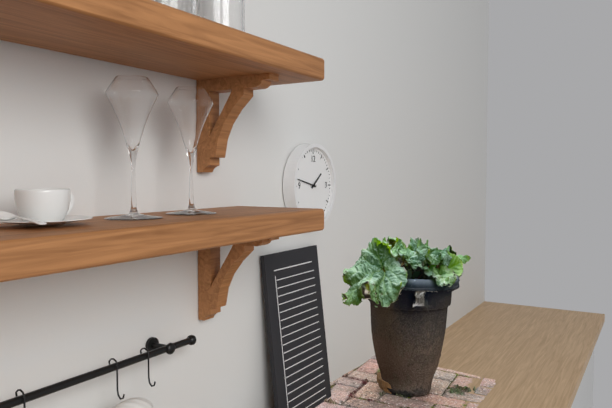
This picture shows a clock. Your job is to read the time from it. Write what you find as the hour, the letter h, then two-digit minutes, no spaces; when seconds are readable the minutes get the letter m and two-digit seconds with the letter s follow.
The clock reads 1h47
